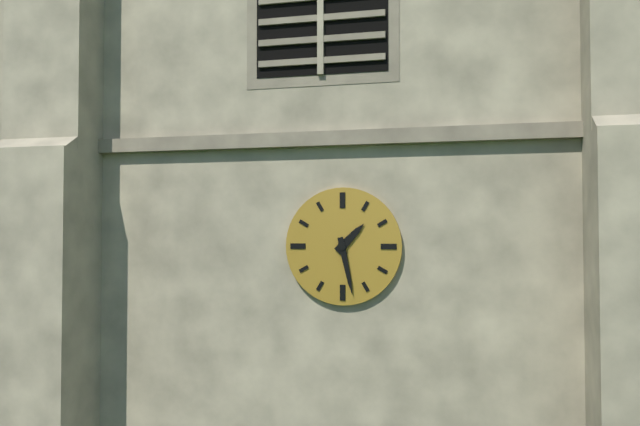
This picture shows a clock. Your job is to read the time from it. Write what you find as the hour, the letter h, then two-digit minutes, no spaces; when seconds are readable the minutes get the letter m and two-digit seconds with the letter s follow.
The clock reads 1h28
